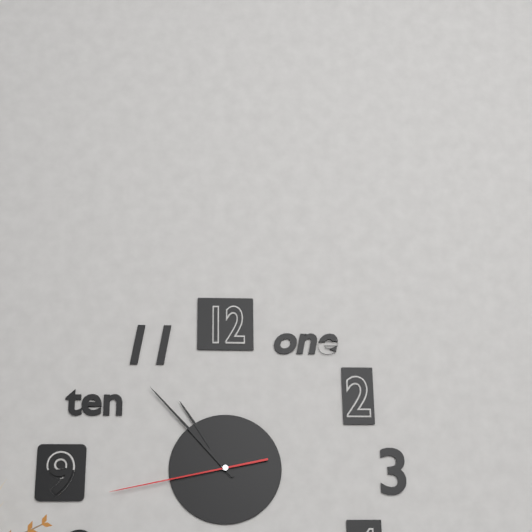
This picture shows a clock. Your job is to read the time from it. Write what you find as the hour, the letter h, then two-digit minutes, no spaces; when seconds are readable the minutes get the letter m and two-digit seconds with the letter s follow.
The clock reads 10h53m43s
